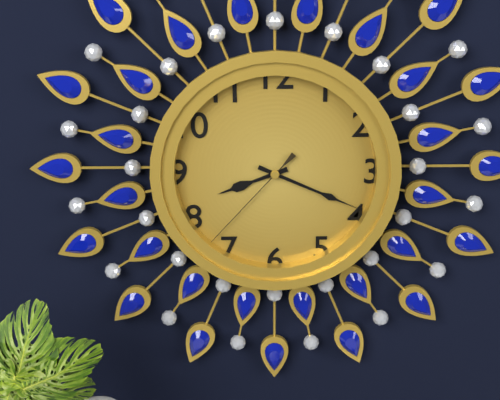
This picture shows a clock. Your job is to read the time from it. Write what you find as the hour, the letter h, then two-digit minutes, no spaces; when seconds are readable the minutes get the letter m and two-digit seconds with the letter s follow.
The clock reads 8h19m37s
